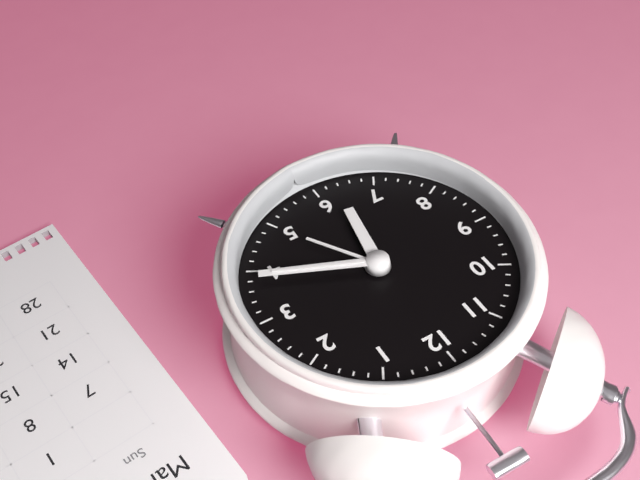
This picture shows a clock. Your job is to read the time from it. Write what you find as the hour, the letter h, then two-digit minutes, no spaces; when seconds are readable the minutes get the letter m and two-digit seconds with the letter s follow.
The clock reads 6h19m19s
